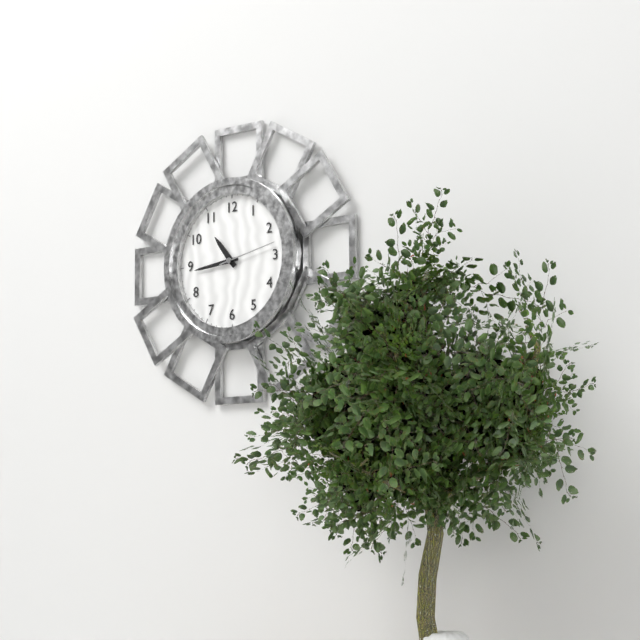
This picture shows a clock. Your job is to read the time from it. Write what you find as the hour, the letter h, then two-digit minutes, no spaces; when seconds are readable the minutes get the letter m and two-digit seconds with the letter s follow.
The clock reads 10h44m13s
